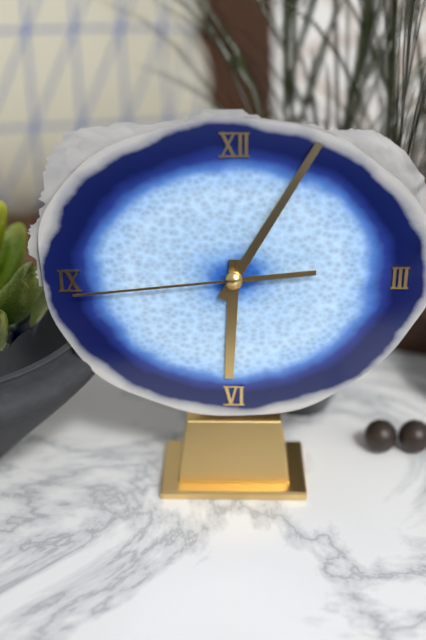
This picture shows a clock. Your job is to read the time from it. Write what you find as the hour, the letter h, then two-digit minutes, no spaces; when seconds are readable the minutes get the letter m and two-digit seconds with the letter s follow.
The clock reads 6h05m44s
